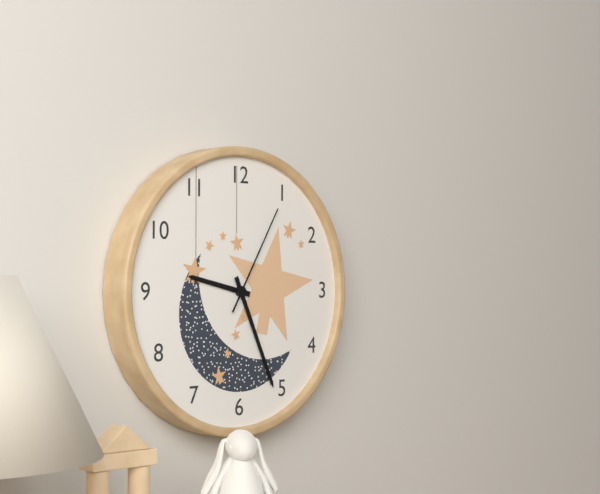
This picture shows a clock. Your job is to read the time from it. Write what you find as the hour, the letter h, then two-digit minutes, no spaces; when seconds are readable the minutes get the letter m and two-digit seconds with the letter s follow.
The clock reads 9h26m05s
